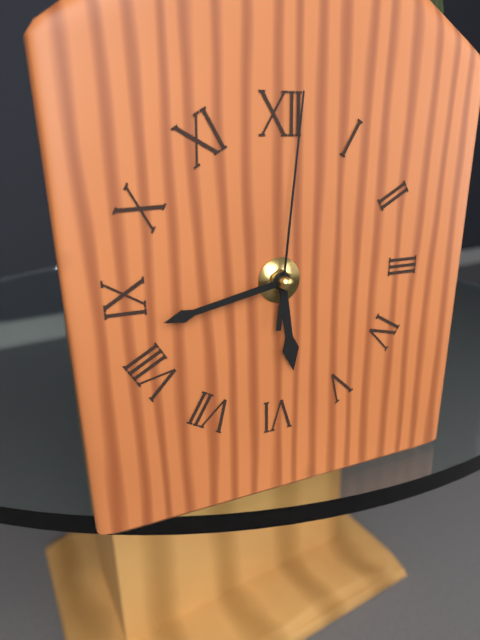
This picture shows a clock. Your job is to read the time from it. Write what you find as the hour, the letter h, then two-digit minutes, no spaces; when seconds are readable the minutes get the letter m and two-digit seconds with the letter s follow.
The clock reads 5h43m01s
